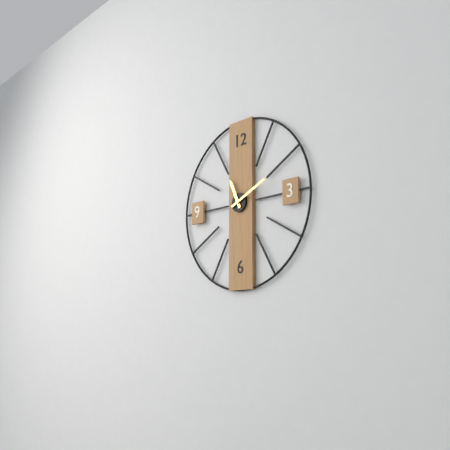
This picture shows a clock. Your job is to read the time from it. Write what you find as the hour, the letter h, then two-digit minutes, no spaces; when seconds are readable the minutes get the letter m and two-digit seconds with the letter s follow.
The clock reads 11h11
